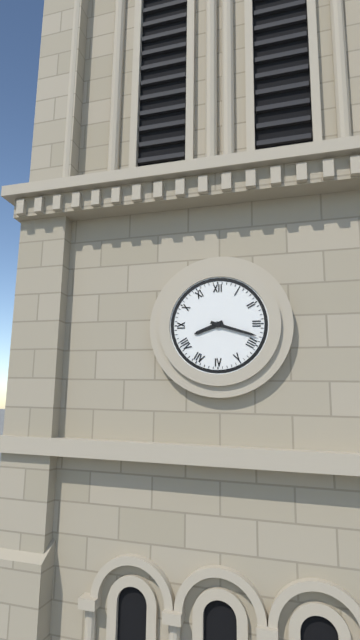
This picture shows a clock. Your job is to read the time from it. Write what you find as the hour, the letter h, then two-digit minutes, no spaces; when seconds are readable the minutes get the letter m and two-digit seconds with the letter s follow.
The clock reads 8h18
